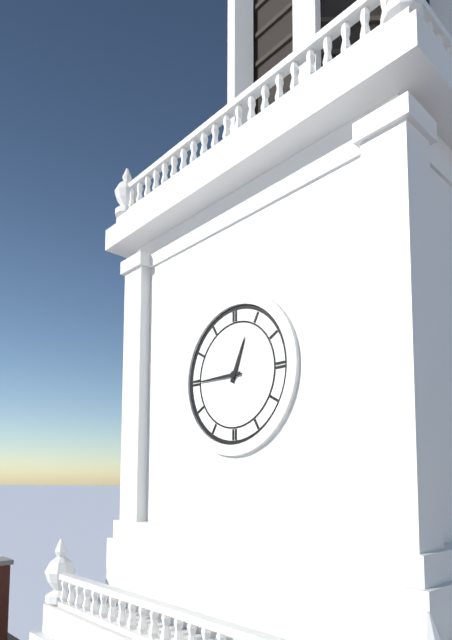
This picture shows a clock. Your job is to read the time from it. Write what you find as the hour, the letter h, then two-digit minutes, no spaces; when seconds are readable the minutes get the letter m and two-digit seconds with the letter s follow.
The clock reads 12h45
